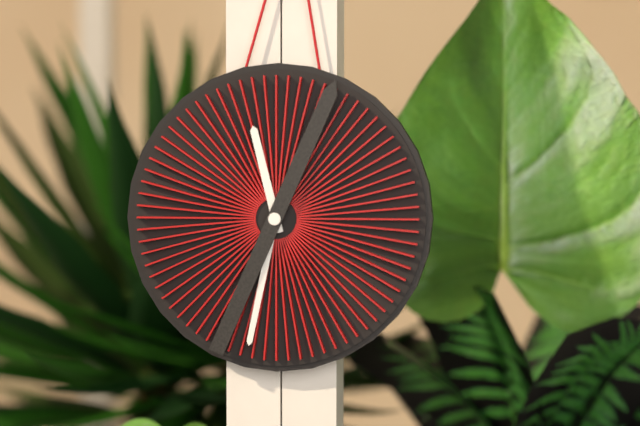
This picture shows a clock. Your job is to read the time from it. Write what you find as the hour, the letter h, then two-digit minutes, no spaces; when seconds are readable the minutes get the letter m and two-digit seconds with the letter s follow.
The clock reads 11h32m04s
